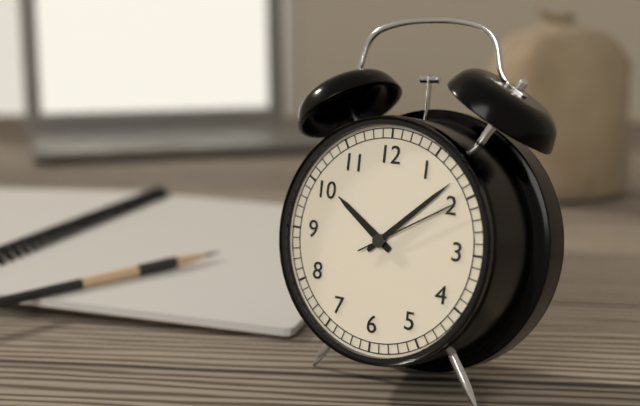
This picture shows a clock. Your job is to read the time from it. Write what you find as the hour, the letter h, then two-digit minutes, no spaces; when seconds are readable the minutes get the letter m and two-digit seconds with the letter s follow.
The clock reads 10h08m10s
